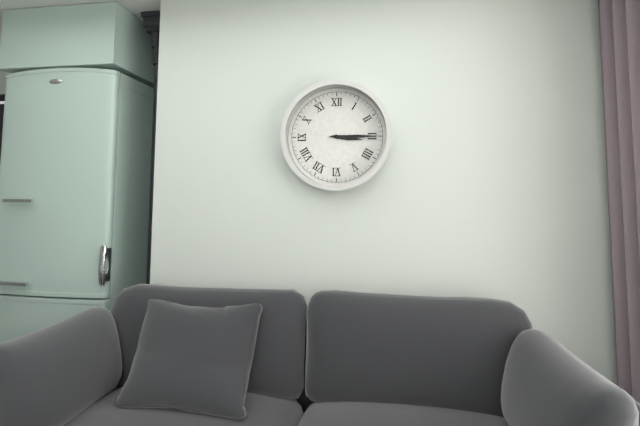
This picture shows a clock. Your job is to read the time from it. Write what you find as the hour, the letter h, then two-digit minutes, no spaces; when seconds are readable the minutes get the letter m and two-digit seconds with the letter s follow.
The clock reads 3h15
